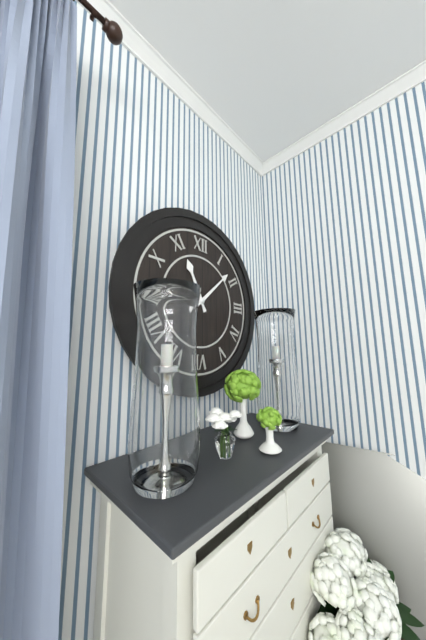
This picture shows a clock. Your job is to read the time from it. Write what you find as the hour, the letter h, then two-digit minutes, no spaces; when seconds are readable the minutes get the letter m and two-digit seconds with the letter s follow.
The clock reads 11h08
